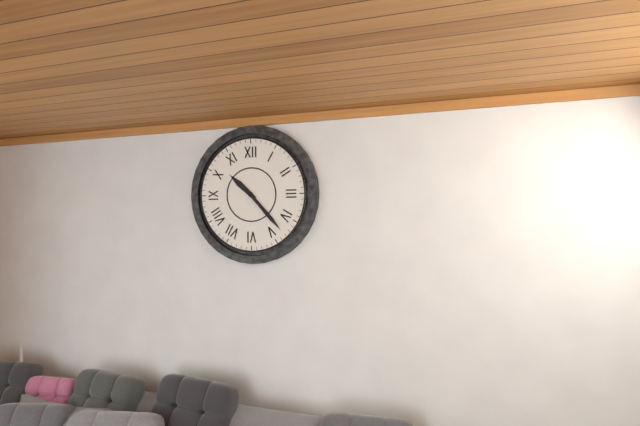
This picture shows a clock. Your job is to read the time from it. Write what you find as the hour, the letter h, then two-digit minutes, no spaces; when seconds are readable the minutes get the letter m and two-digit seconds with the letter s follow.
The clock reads 10h23
